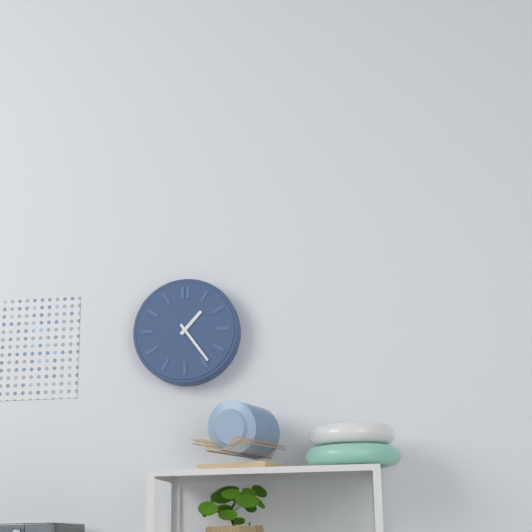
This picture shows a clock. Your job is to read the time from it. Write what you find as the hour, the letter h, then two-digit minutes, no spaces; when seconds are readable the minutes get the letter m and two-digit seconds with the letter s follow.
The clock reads 1h24
